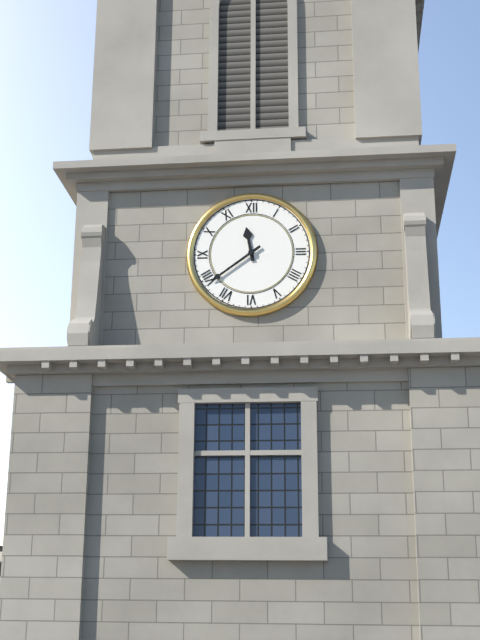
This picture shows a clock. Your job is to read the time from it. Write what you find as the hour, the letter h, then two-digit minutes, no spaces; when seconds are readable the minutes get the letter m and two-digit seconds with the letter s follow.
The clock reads 11h39
